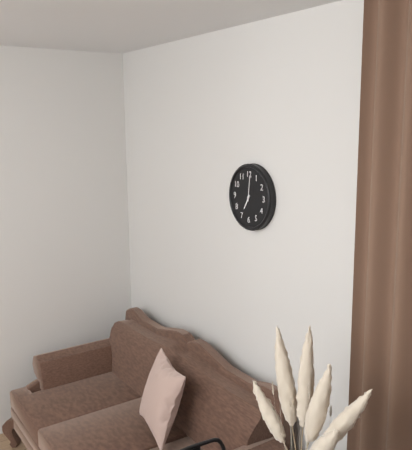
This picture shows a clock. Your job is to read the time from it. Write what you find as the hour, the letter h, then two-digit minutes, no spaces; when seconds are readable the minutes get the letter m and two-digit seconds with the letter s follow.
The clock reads 7h01
